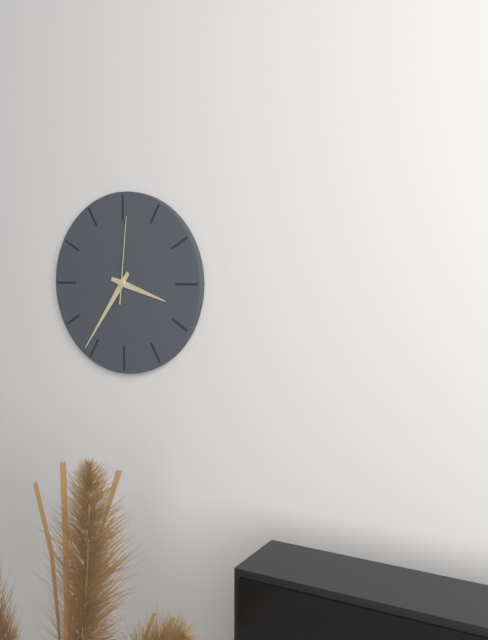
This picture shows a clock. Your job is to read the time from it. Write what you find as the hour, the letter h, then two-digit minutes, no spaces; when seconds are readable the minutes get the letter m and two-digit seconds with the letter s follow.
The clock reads 3h36m01s
